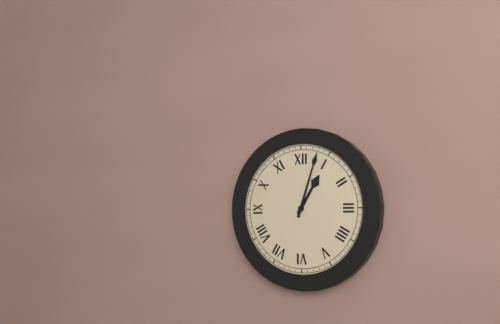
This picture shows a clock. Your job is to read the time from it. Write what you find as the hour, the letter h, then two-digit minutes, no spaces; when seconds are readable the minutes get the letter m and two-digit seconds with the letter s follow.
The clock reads 1h03
